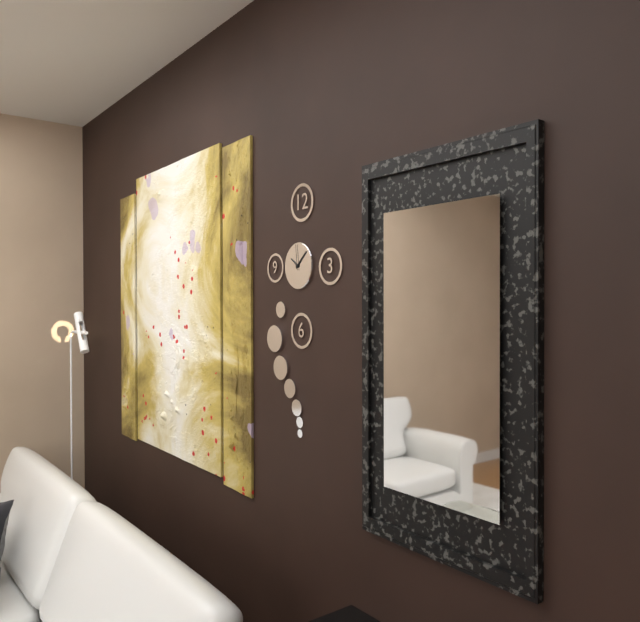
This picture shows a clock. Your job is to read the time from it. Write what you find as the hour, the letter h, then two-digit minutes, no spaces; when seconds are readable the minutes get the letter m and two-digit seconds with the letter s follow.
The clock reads 10h08
